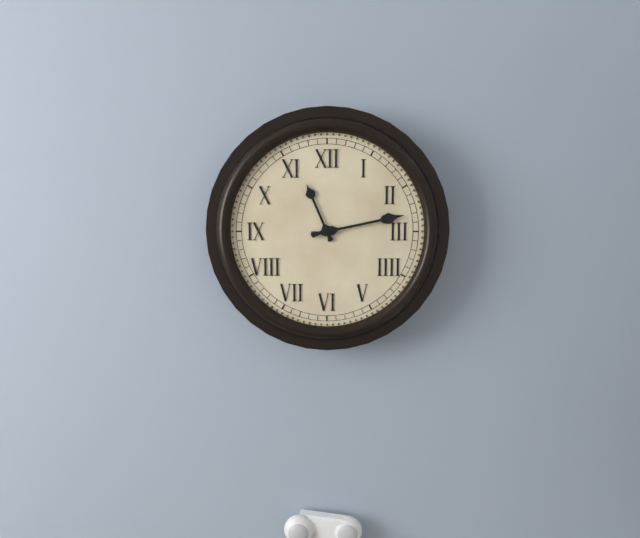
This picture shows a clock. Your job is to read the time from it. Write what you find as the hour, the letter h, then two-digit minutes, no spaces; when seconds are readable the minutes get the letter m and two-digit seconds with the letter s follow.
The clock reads 11h13
